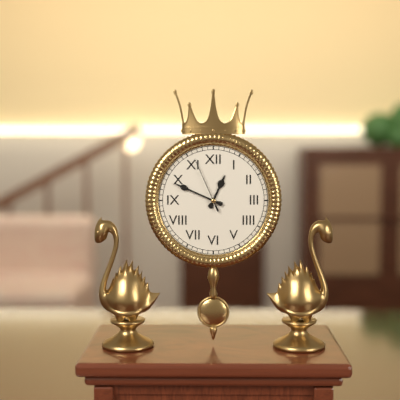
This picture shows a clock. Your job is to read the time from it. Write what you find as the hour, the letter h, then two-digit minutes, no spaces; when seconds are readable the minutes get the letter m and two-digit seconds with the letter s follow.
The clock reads 12h49m56s
